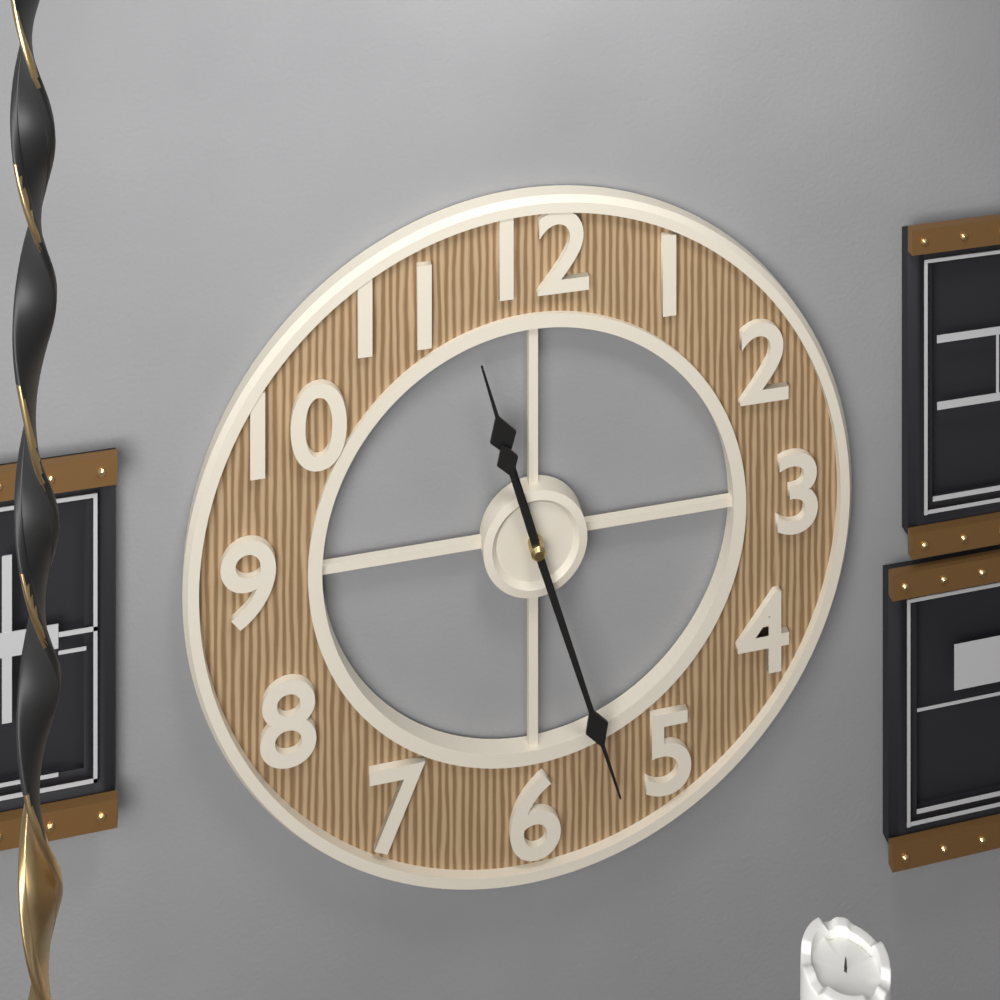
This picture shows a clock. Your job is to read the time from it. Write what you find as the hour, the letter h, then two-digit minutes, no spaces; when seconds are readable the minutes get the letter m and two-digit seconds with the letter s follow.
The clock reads 11h27
